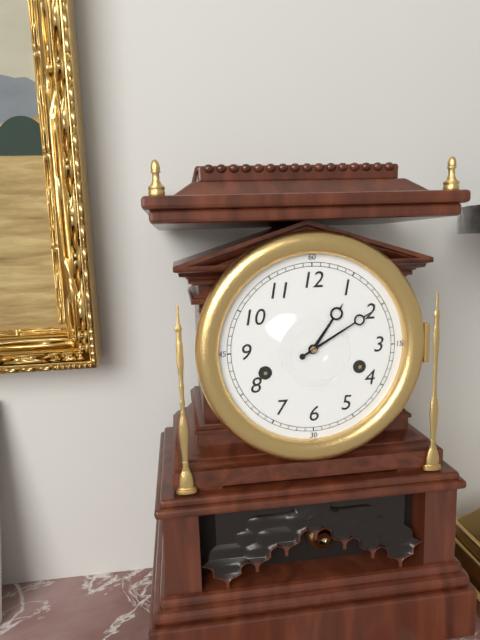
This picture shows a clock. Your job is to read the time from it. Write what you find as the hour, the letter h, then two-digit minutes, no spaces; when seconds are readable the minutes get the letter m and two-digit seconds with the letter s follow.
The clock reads 1h10
